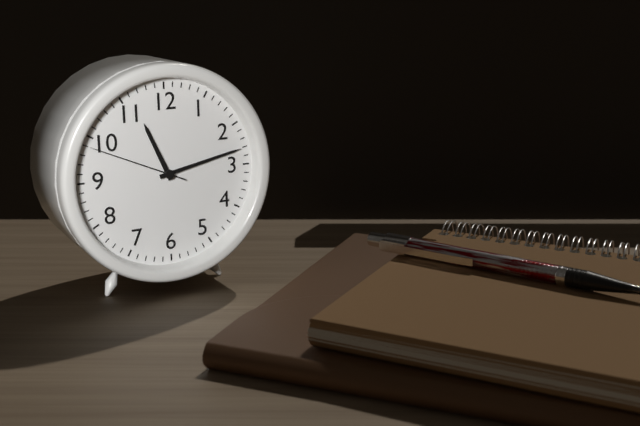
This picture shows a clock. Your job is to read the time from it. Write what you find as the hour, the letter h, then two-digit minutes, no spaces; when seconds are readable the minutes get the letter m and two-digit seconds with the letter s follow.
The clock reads 11h13m49s
